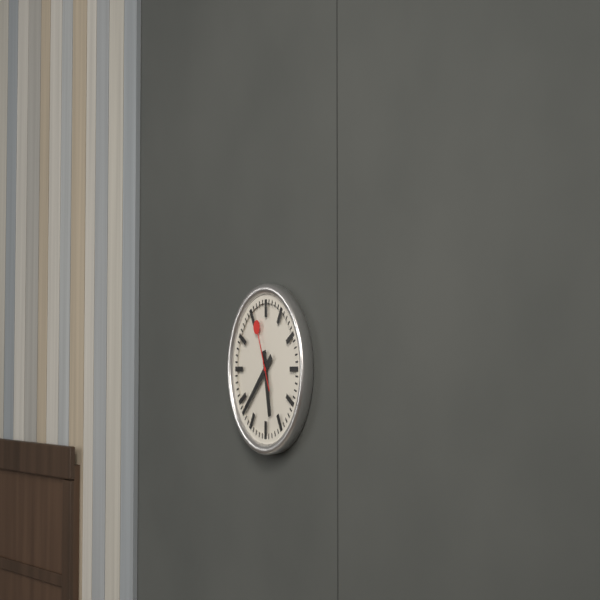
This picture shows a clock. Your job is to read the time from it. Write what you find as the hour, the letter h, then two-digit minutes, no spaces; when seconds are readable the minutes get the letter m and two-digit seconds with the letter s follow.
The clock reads 5h38m56s
